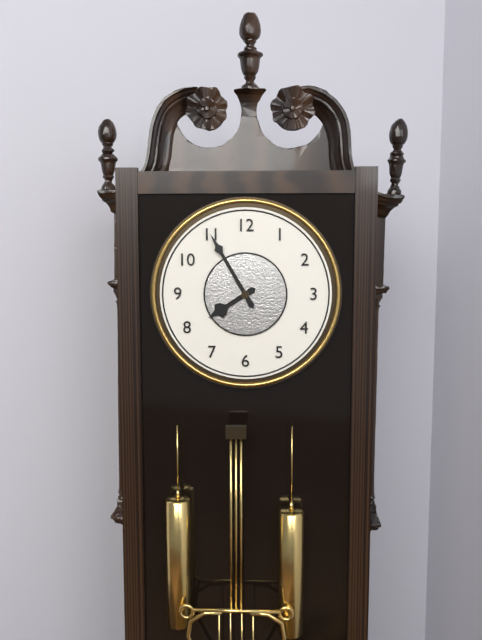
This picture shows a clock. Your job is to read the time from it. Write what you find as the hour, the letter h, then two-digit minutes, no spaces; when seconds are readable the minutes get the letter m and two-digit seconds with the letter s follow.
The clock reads 7h55
